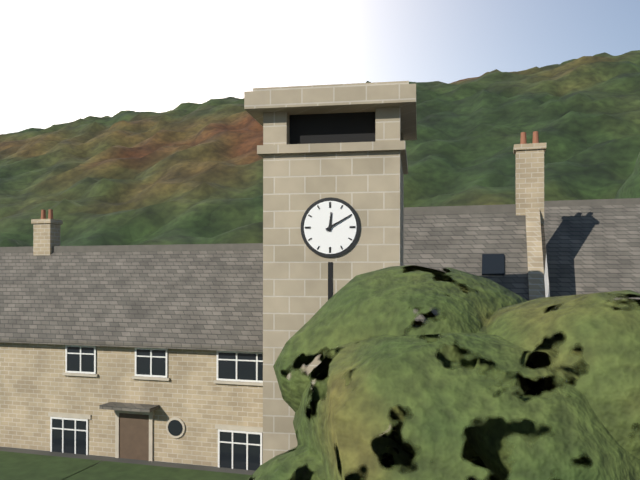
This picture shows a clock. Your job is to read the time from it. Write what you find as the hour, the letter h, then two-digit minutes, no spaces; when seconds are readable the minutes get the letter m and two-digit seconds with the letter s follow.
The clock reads 12h10
